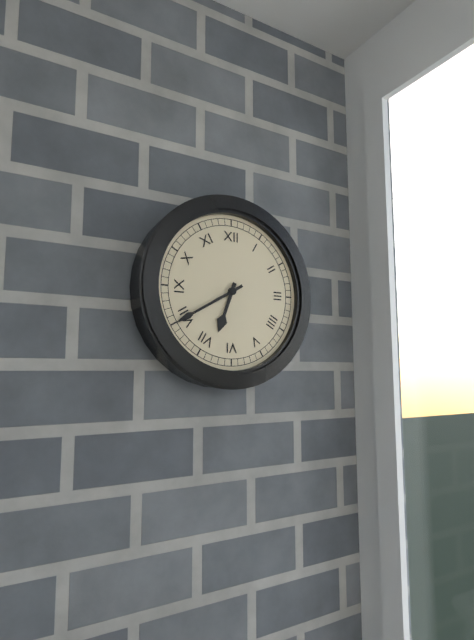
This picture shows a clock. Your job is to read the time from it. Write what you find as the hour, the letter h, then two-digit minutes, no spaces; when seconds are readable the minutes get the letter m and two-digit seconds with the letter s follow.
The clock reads 6h40
